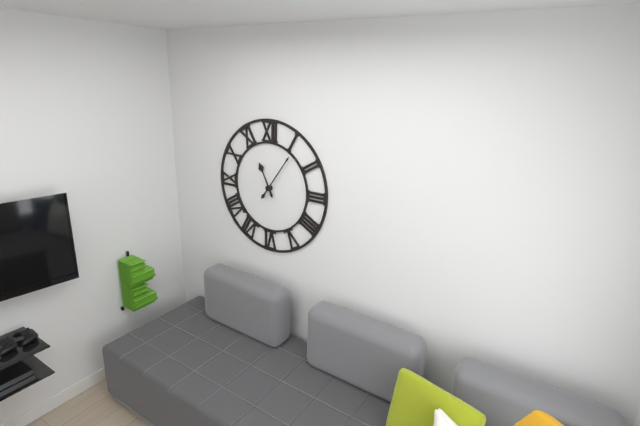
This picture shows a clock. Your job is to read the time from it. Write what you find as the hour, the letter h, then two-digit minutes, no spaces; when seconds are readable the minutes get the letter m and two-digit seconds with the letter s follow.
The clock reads 11h06
